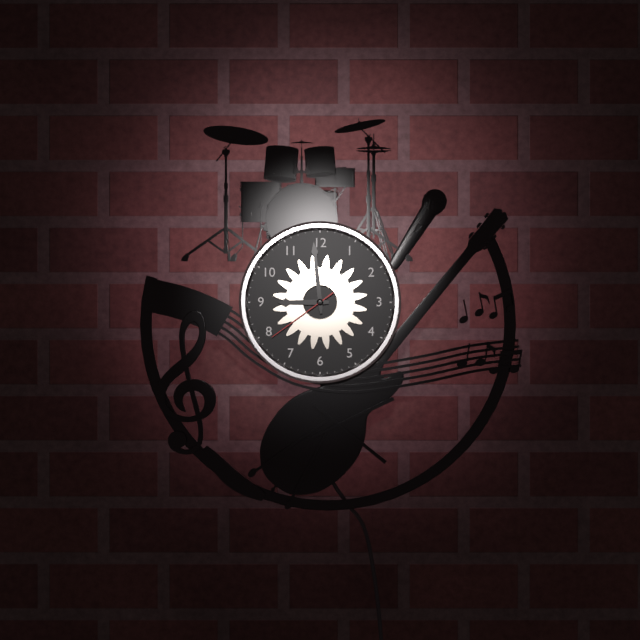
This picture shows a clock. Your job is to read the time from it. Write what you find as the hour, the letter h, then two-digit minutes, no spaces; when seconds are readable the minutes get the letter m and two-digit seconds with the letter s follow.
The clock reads 8h59m39s
